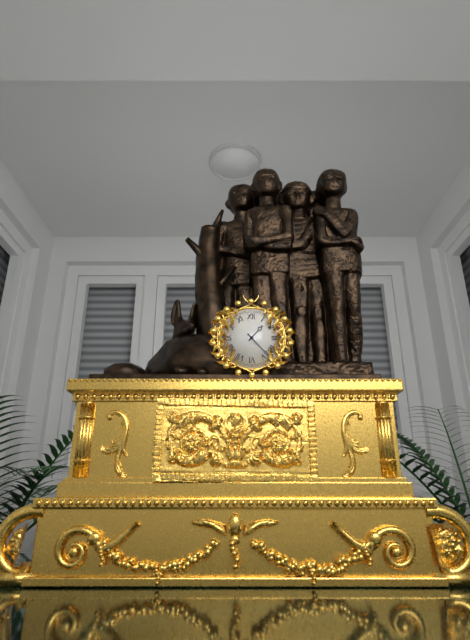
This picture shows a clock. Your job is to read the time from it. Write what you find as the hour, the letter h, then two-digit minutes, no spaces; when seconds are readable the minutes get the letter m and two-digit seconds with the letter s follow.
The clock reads 1h23
